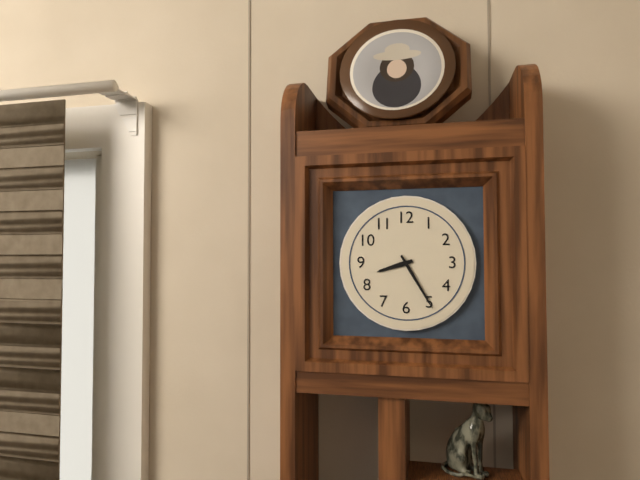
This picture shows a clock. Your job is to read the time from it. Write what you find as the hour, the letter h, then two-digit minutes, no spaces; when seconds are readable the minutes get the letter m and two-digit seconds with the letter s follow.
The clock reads 8h25
